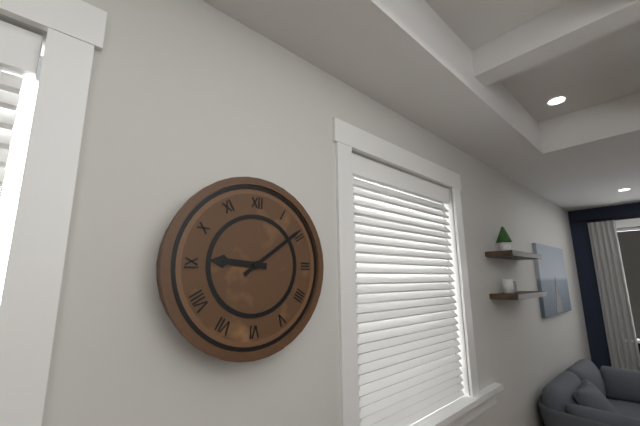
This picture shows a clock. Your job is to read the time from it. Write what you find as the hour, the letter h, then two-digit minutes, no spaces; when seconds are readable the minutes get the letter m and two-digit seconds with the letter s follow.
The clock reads 9h09
